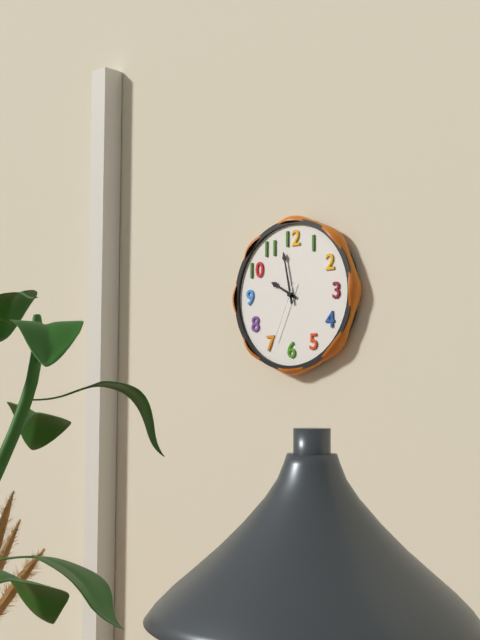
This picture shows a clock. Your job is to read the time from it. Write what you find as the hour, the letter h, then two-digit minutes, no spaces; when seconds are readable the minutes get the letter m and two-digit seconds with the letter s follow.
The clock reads 9h58m34s
